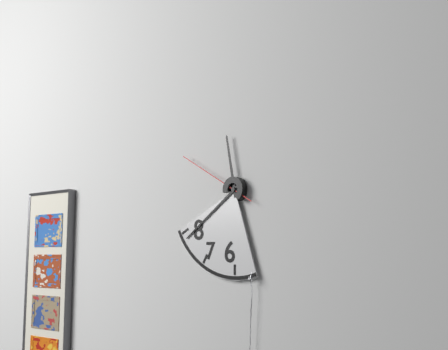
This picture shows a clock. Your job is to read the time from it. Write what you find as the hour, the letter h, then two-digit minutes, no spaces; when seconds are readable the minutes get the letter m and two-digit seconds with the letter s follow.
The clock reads 11h39m50s
